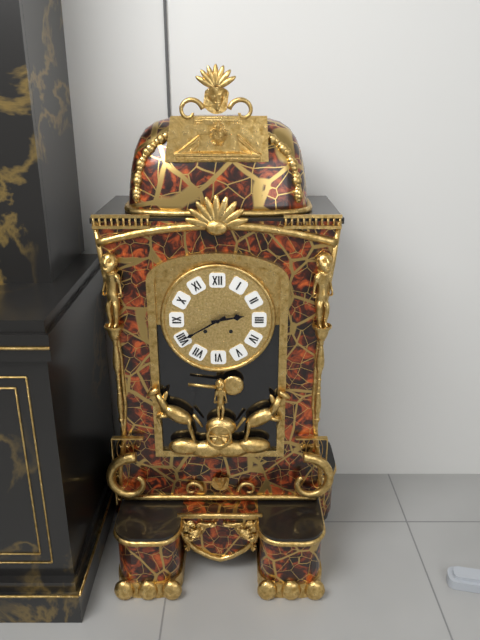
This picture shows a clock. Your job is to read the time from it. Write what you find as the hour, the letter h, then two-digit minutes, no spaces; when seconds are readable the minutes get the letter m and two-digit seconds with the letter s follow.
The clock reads 2h40
